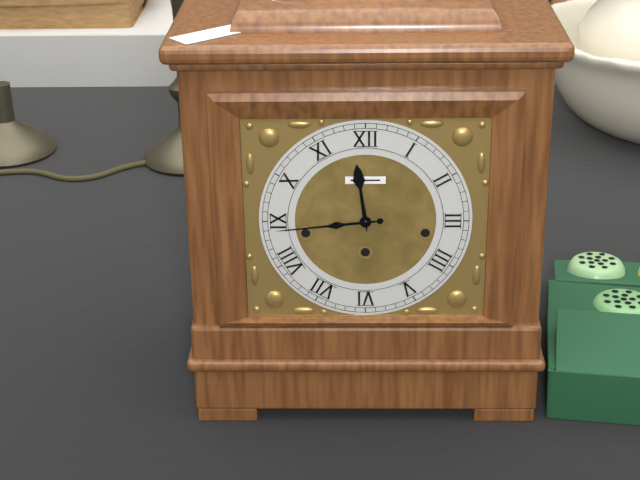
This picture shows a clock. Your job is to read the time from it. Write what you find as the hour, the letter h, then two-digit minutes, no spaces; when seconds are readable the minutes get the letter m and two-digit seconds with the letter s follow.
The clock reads 11h44
